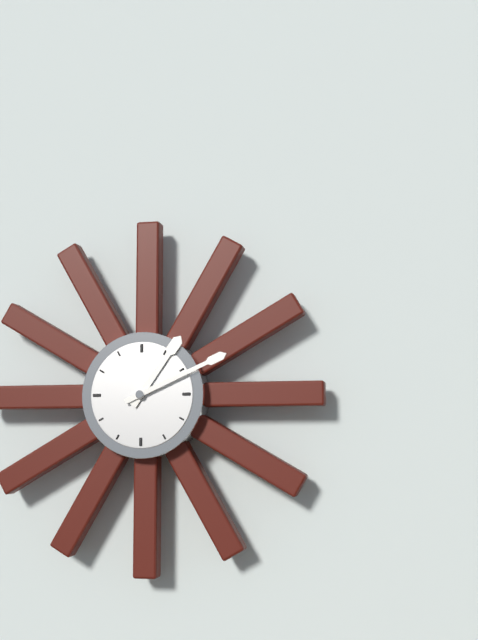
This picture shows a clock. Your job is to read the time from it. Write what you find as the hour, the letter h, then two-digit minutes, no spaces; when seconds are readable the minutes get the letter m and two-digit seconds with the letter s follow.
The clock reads 1h11
